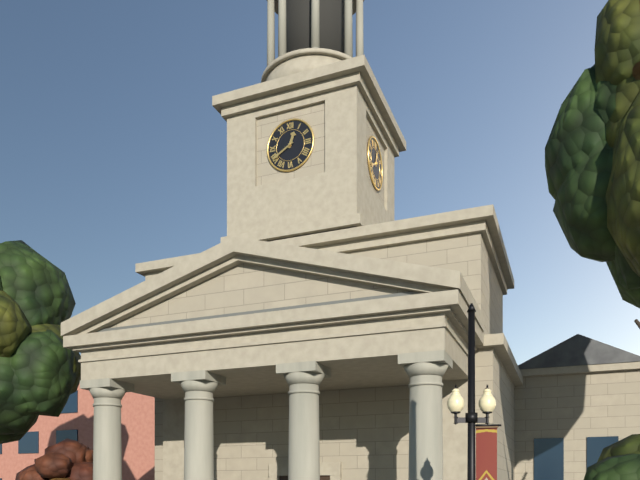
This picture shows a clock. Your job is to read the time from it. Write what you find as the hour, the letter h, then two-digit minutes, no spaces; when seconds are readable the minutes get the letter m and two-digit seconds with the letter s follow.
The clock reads 12h40
